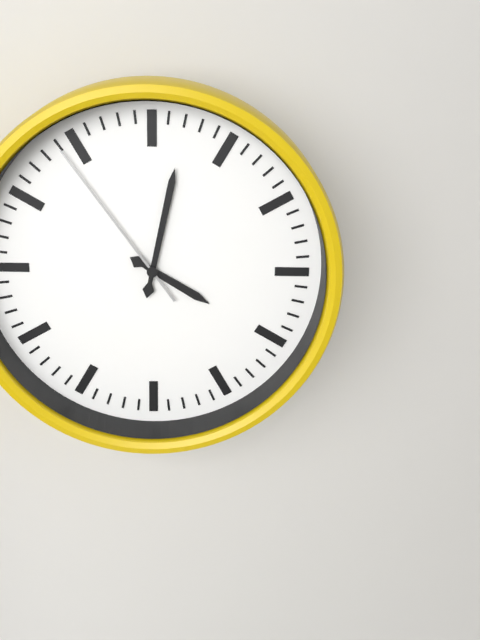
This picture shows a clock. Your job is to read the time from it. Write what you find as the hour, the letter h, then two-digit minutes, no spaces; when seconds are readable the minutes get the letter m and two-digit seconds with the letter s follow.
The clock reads 4h02m54s
